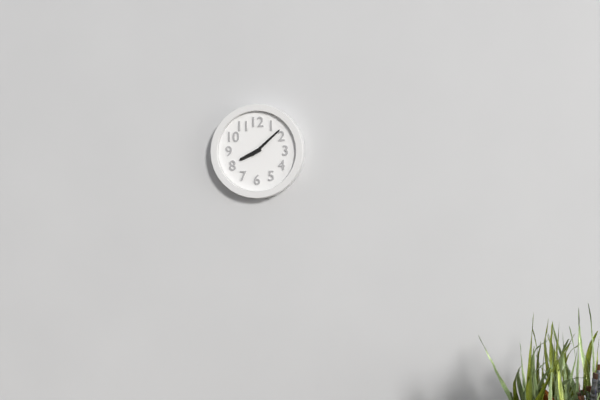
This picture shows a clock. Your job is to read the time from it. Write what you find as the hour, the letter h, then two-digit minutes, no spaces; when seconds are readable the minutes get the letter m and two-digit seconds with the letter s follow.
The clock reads 8h08
